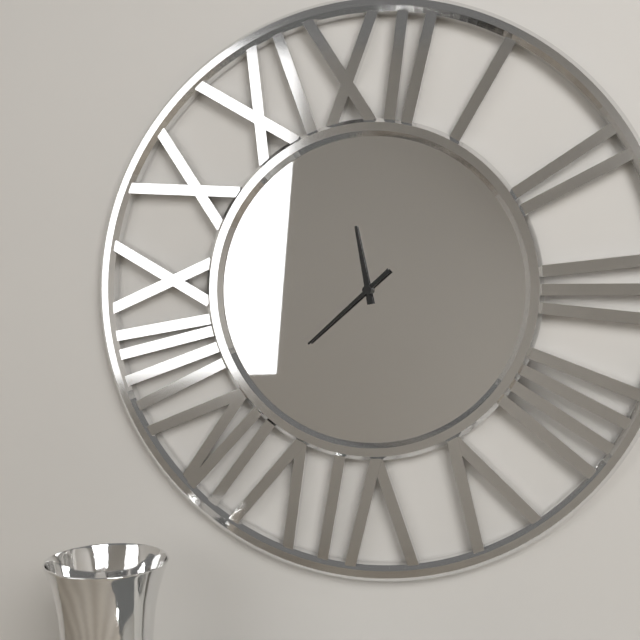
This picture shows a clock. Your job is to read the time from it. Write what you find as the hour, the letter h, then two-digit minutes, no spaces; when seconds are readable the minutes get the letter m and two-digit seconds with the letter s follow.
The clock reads 11h38
